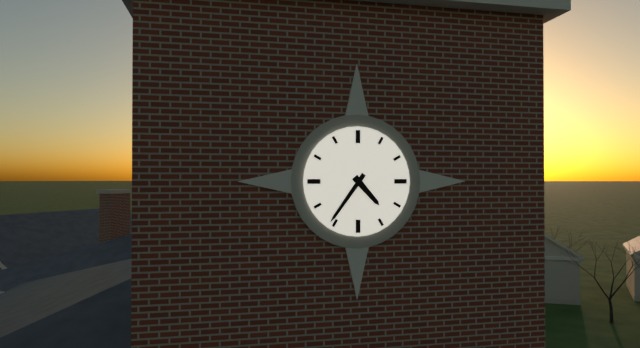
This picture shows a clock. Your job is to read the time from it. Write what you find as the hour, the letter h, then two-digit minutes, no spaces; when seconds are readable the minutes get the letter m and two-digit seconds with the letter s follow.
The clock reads 4h36
